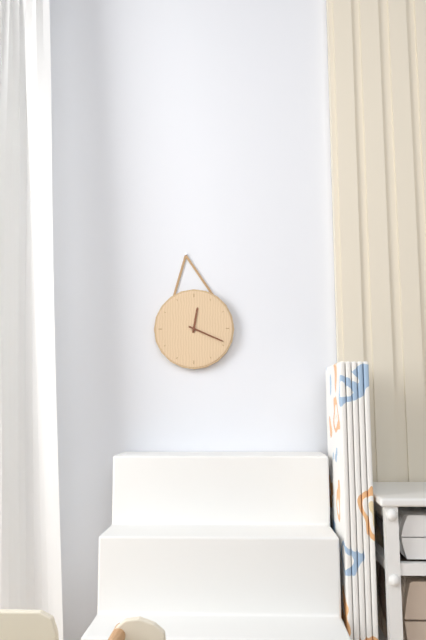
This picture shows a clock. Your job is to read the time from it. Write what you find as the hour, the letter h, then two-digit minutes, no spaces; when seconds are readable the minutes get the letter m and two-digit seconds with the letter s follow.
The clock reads 12h19
